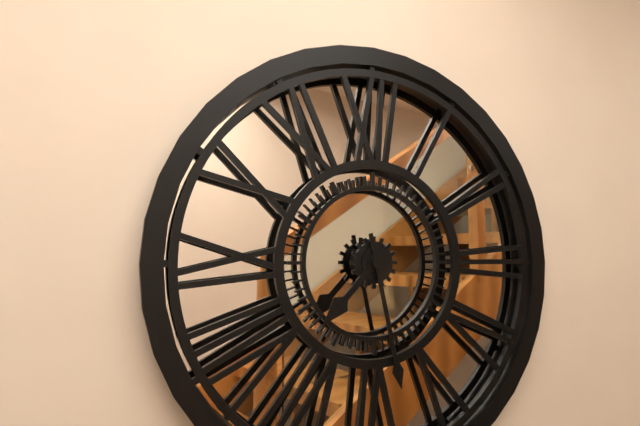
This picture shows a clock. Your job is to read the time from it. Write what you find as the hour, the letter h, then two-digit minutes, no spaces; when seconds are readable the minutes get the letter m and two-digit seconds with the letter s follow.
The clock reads 7h28
